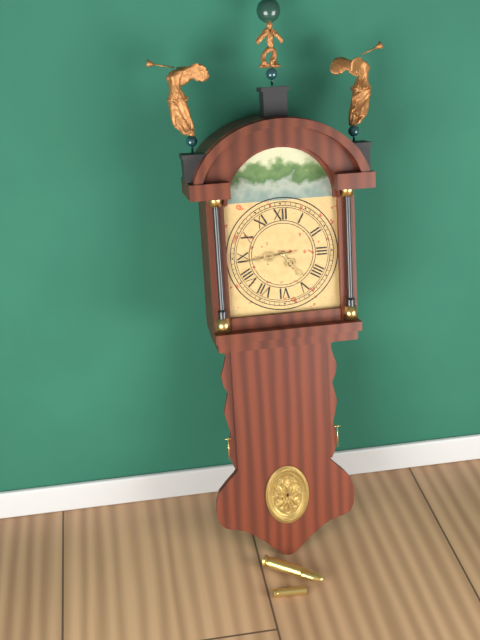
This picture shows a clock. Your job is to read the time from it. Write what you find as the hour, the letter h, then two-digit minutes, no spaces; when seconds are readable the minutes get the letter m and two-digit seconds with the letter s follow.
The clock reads 4h44
